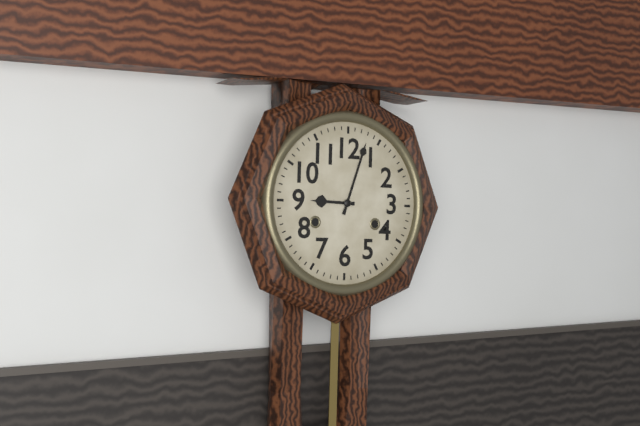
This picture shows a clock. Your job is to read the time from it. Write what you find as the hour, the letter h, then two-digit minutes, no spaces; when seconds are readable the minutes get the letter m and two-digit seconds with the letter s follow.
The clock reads 9h03
